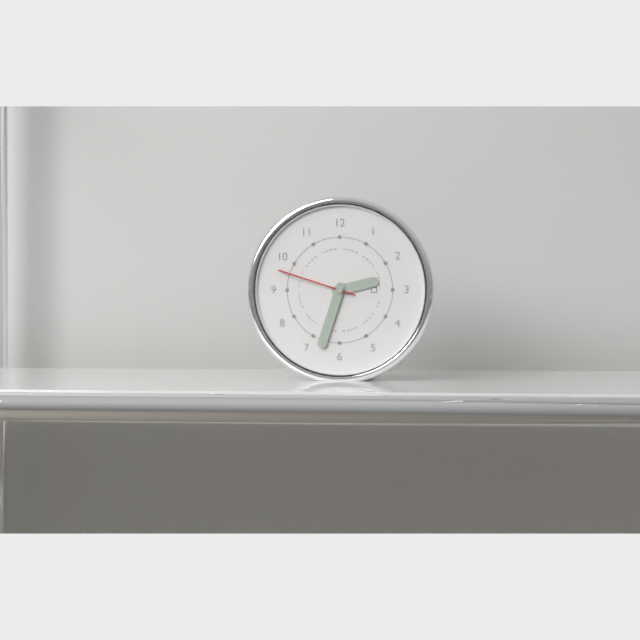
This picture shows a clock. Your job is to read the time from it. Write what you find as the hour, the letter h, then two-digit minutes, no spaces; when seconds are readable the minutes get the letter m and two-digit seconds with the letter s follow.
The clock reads 2h33m48s
